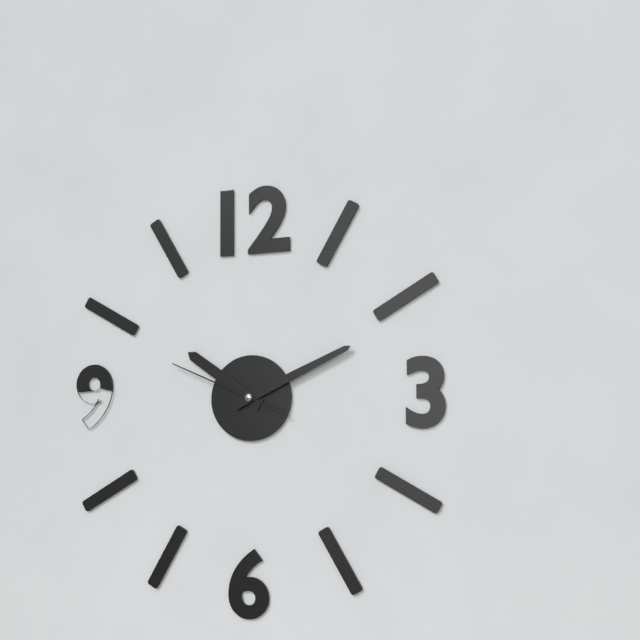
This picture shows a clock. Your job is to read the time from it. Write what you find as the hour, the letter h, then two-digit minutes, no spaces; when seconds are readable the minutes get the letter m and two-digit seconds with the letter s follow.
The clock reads 10h11m49s
